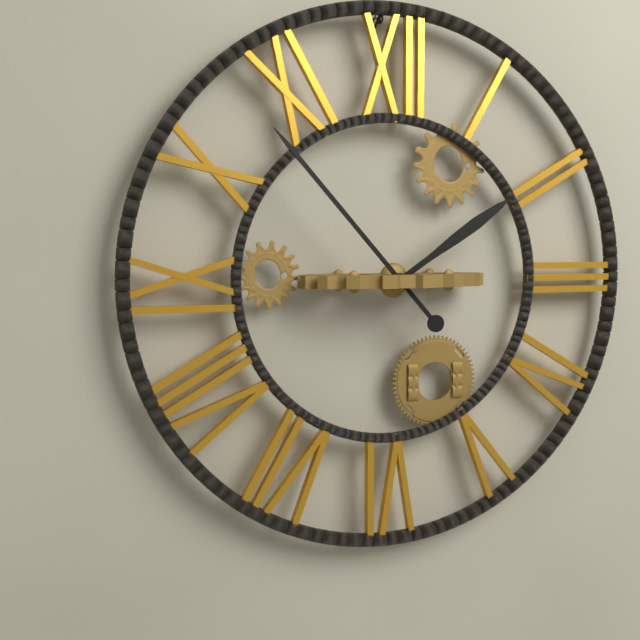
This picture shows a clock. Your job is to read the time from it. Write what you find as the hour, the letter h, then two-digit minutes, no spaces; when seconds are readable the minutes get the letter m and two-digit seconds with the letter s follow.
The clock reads 1h53
